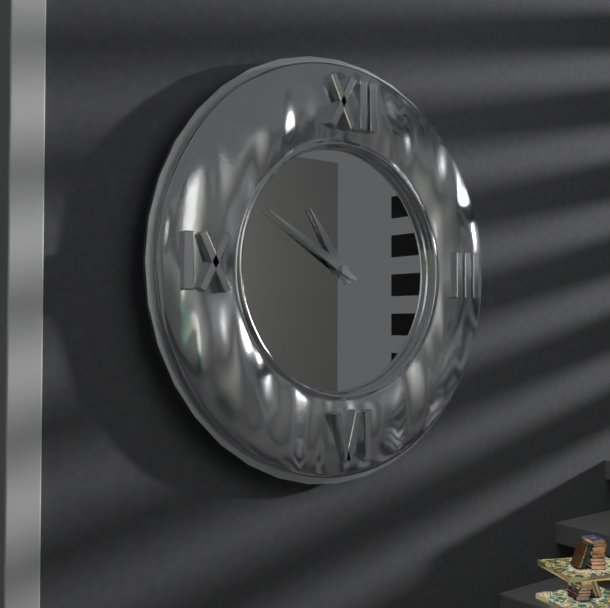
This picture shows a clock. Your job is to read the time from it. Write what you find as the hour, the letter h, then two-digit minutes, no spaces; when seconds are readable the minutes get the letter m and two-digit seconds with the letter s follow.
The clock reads 10h50
